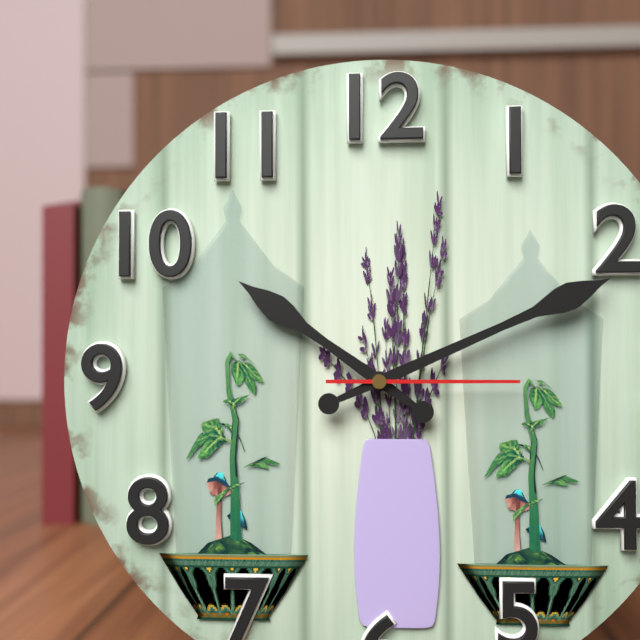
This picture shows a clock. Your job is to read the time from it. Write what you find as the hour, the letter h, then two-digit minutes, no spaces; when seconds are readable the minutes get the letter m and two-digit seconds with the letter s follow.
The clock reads 10h11m15s
